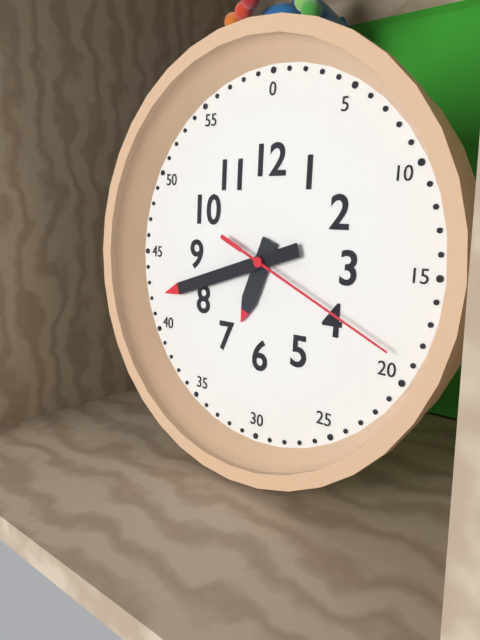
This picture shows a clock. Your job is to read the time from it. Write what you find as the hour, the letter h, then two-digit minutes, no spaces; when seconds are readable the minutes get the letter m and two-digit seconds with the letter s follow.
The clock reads 6h42m19s
